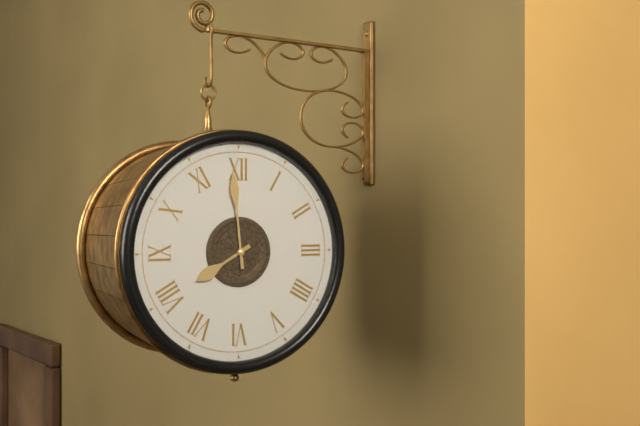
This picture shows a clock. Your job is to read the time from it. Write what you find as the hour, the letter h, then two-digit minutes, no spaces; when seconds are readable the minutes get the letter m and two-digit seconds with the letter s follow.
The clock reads 7h59
